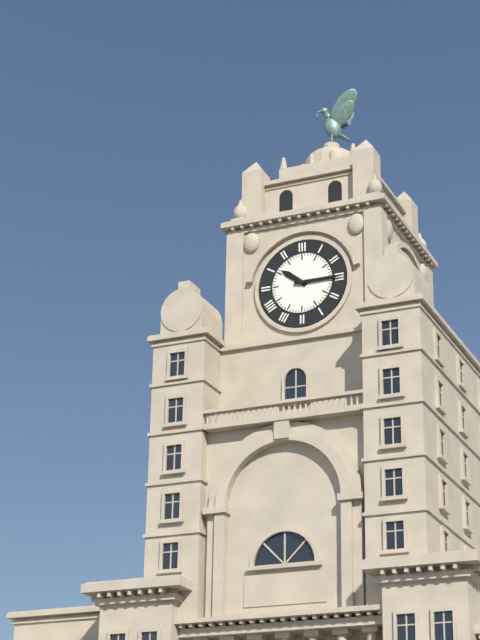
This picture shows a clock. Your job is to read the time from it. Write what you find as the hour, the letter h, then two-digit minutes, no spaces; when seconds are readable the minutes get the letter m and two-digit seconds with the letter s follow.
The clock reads 10h15
